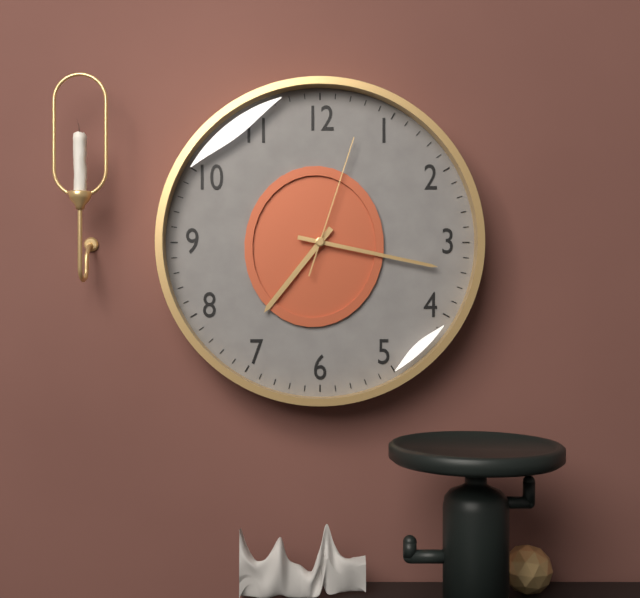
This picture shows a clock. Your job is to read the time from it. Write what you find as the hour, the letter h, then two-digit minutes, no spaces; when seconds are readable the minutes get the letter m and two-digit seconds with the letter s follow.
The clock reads 7h17m03s
